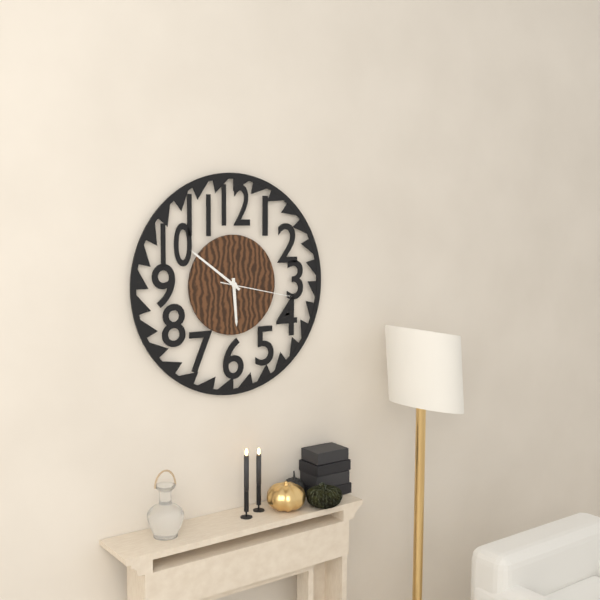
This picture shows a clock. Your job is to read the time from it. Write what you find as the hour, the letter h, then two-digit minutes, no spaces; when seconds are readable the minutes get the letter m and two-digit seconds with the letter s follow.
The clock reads 5h51m17s
